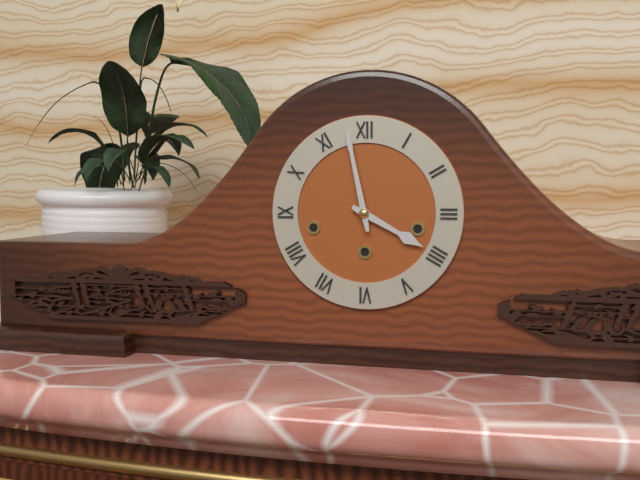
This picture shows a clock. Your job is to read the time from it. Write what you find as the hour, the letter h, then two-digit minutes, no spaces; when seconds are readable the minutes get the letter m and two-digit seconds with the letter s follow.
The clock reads 3h58
